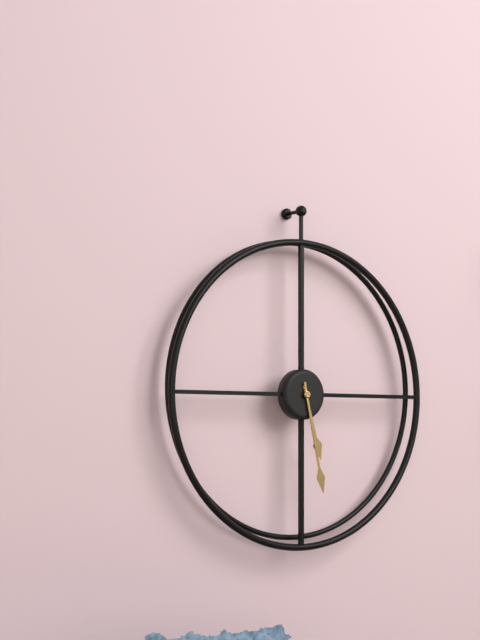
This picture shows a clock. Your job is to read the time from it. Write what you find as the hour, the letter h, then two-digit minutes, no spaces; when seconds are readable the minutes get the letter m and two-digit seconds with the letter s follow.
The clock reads 5h28
